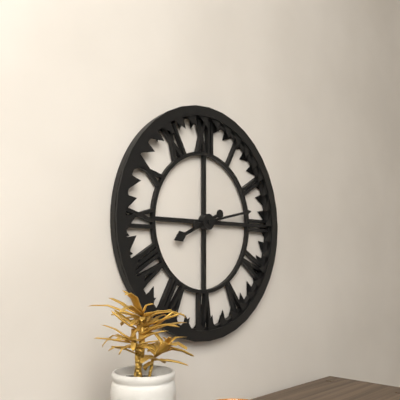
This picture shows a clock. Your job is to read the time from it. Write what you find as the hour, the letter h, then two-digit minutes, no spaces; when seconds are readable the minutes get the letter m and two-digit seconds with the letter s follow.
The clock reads 8h13
